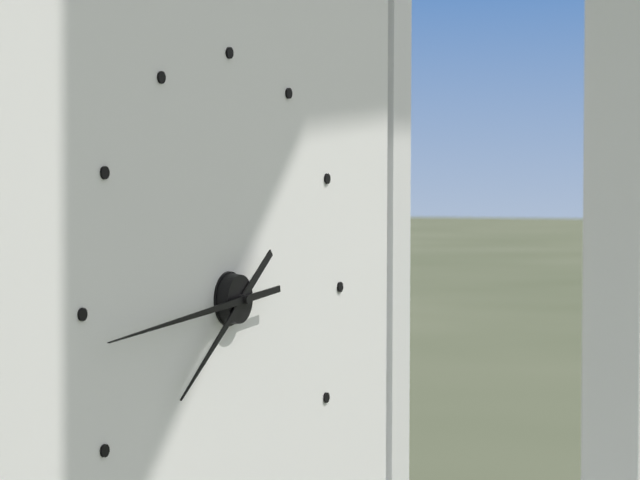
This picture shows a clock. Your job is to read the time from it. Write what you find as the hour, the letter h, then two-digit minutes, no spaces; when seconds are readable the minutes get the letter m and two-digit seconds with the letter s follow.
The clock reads 7h44
